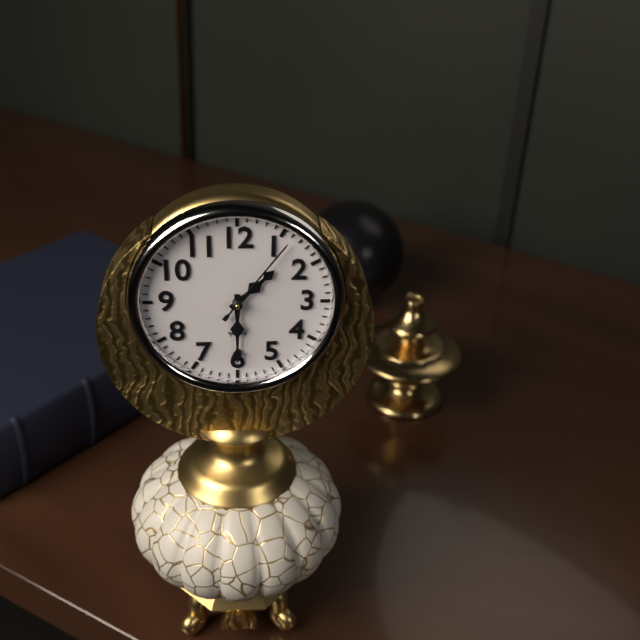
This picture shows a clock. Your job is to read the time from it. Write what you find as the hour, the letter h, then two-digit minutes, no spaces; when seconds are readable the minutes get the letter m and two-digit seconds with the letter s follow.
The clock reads 1h30m06s
